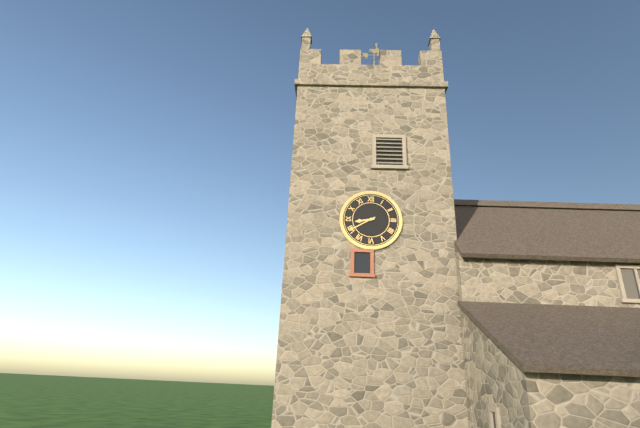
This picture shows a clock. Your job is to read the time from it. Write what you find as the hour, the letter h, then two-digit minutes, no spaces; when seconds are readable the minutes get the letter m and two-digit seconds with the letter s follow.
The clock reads 8h40
